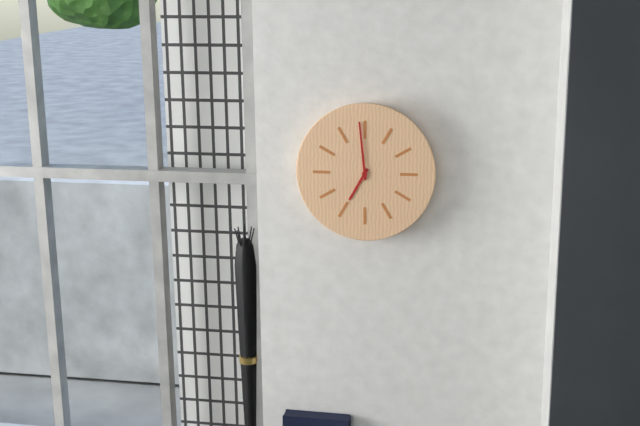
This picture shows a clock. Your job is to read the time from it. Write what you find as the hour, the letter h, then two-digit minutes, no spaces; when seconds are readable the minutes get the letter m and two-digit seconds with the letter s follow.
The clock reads 6h59
